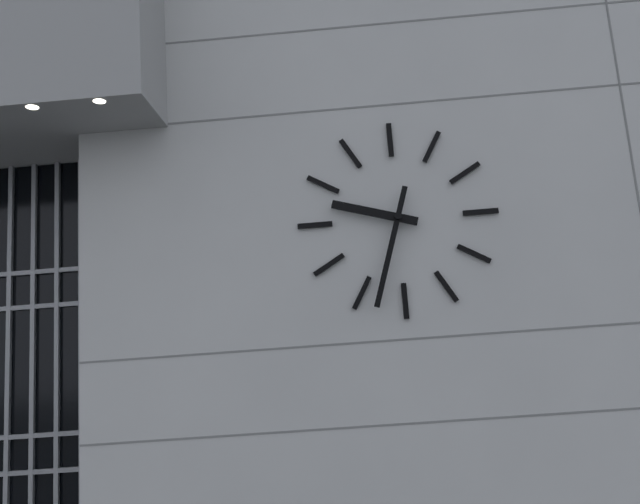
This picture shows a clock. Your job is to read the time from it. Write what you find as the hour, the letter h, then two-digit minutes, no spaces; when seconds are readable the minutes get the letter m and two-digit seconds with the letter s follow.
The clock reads 9h33
